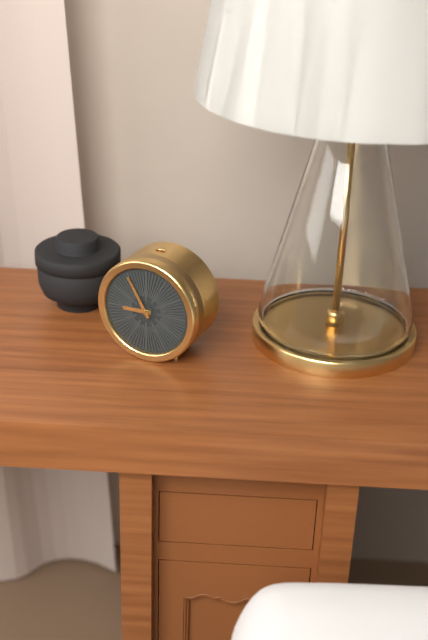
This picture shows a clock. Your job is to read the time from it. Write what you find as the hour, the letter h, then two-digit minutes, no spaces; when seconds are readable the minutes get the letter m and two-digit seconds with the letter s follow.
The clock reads 8h55
